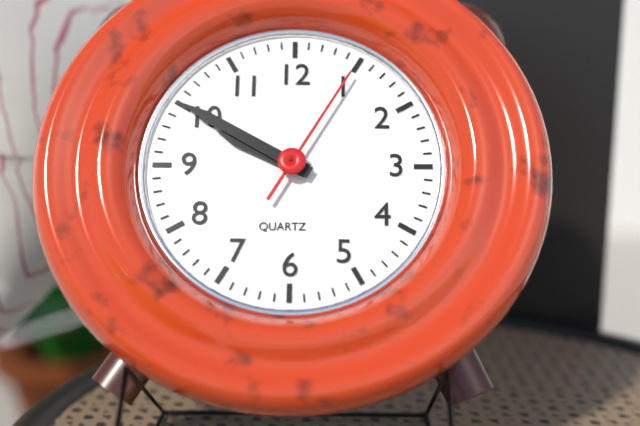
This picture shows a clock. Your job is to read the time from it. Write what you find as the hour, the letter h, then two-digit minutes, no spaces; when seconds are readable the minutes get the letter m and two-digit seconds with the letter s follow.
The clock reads 9h50m05s
